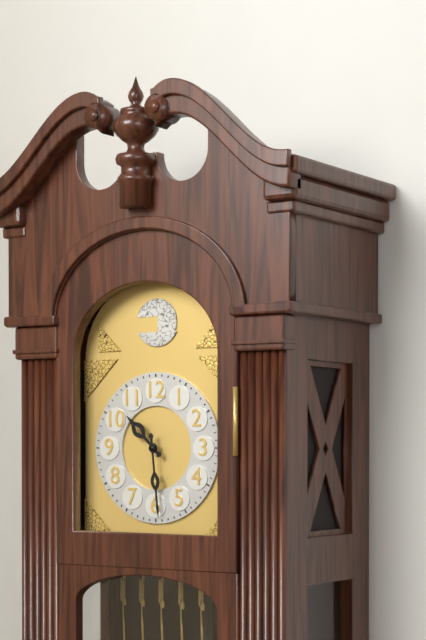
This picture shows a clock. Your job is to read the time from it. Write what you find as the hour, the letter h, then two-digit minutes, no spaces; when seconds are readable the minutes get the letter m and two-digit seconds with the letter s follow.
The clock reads 10h29
